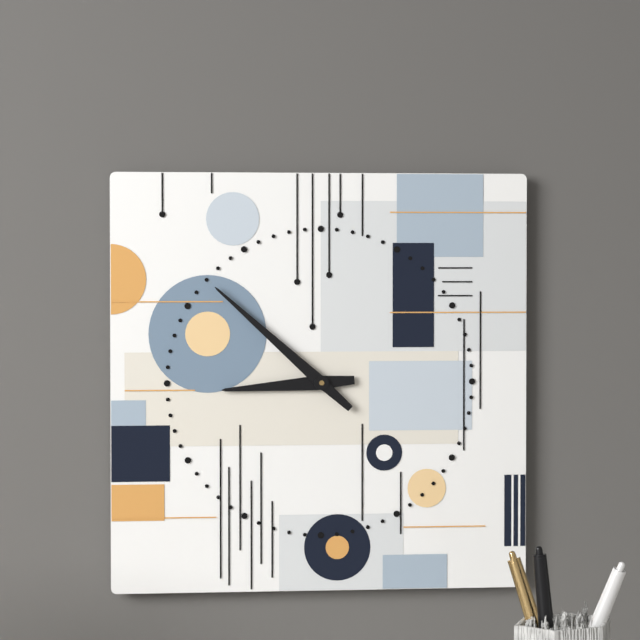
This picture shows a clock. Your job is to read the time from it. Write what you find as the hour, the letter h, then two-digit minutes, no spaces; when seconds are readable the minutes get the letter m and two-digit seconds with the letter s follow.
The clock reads 8h52
